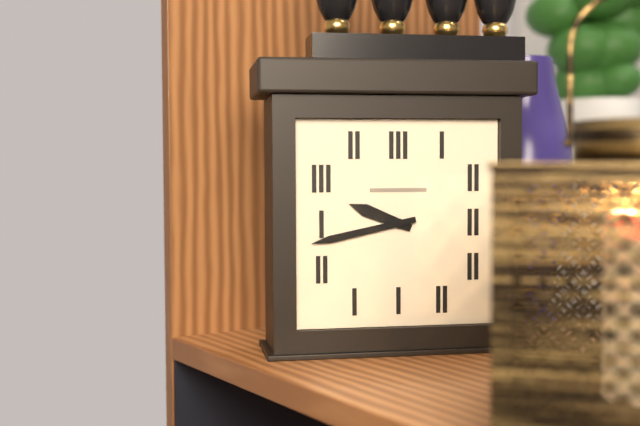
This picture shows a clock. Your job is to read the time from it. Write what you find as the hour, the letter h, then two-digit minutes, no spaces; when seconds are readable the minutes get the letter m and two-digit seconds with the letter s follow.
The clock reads 9h43
